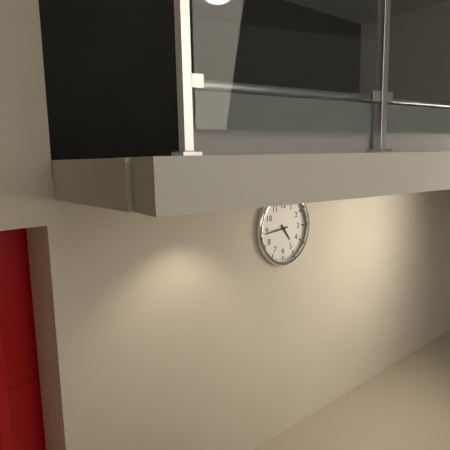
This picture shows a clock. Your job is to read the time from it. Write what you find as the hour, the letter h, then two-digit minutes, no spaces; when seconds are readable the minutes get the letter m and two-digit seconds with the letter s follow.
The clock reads 4h44
